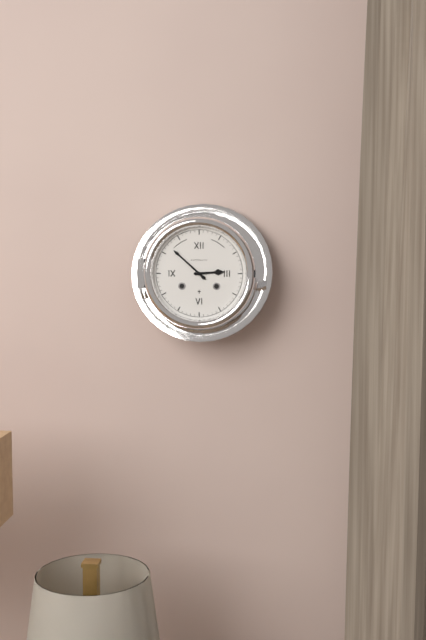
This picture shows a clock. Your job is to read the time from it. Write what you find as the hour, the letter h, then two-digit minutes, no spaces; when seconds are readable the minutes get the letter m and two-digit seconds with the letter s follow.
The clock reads 2h52
